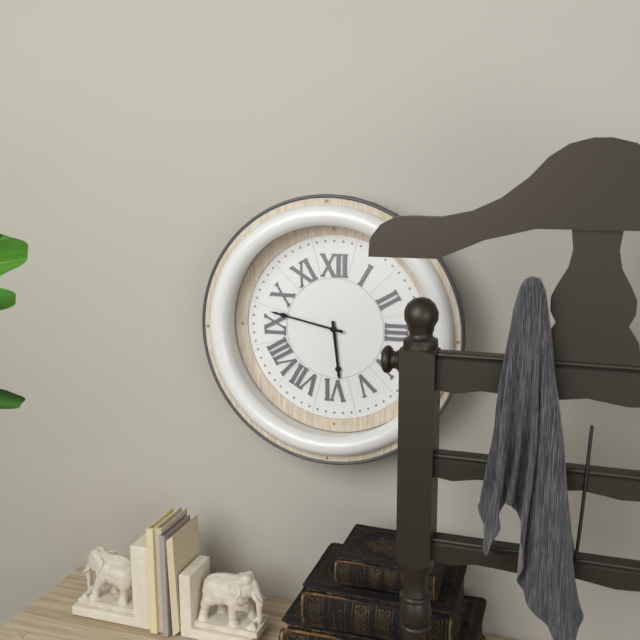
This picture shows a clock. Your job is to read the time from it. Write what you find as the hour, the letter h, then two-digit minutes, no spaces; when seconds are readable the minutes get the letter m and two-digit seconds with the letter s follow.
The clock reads 5h47
